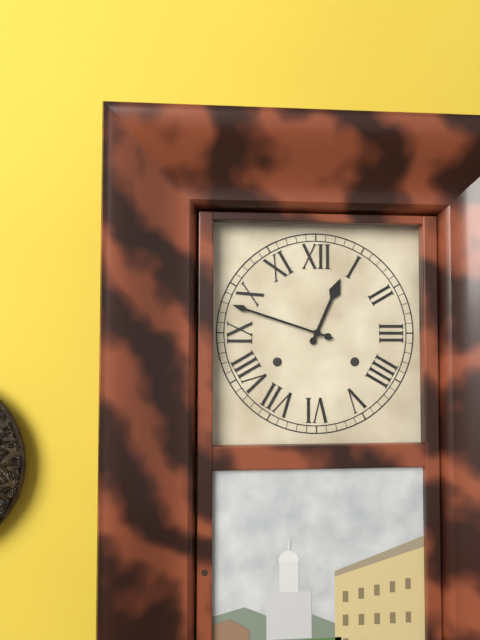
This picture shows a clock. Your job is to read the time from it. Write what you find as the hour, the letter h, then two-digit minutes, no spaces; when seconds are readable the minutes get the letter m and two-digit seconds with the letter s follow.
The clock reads 12h48
